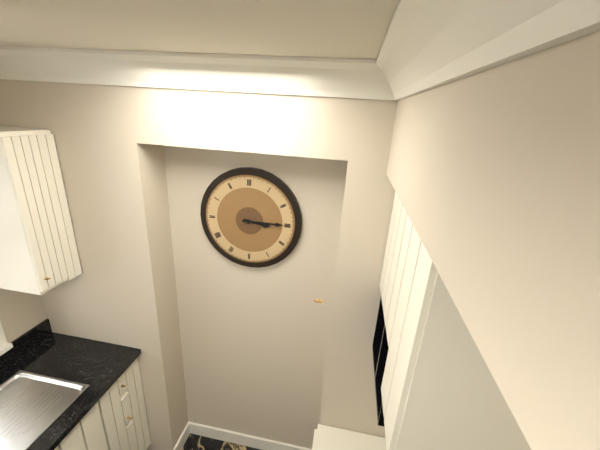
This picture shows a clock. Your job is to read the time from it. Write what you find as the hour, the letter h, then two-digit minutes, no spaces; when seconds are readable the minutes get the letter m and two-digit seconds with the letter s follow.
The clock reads 3h15
